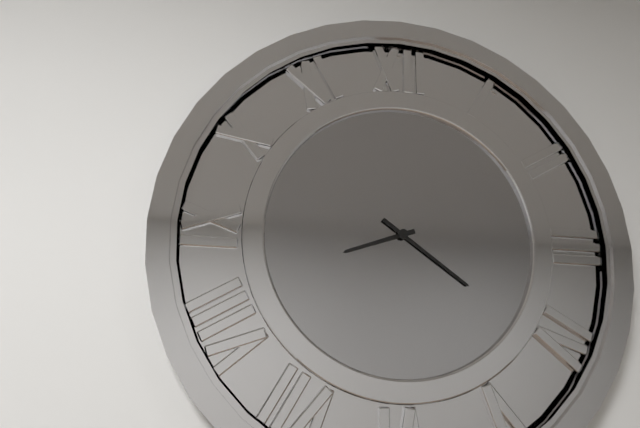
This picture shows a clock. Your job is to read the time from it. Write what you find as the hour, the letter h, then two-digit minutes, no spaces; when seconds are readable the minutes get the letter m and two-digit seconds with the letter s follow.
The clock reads 8h21
